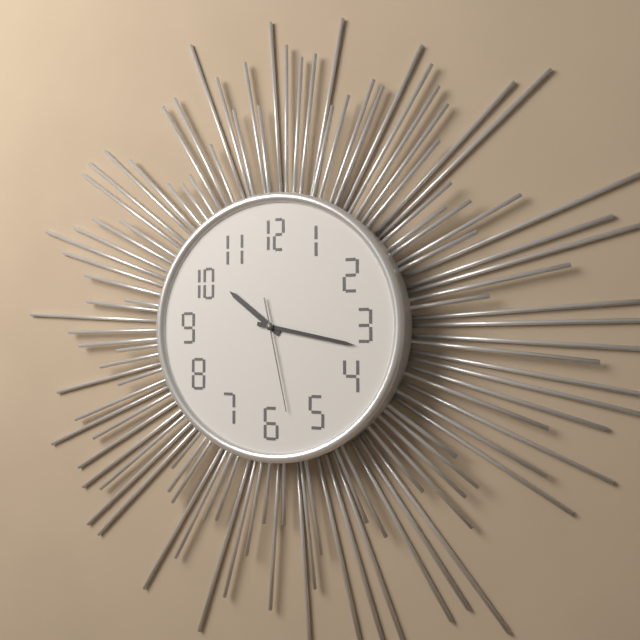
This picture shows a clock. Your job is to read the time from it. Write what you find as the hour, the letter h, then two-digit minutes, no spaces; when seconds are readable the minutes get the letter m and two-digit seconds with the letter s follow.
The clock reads 10h17m28s
